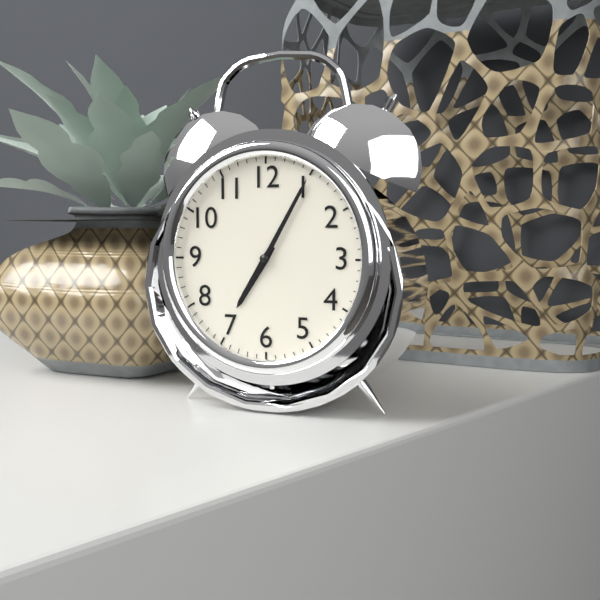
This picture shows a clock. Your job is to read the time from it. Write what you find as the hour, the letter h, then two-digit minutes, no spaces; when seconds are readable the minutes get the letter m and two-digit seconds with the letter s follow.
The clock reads 7h05
